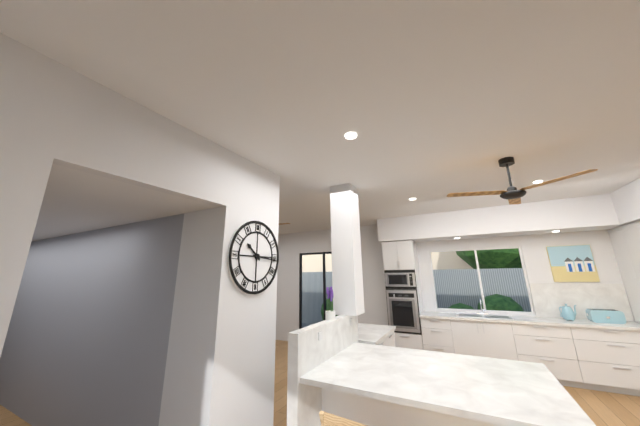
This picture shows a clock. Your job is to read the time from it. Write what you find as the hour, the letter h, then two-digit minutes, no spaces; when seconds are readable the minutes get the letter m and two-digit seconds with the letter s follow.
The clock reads 10h16
